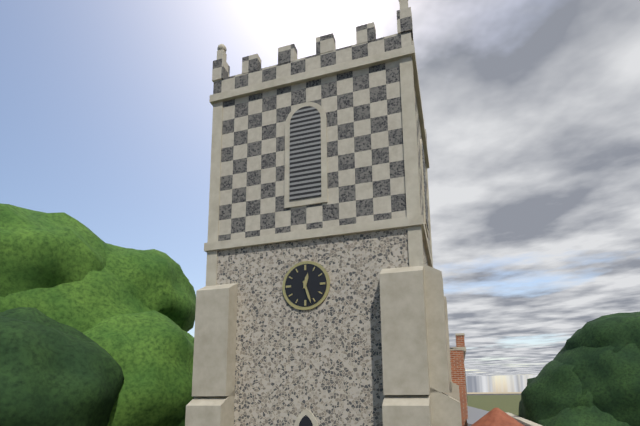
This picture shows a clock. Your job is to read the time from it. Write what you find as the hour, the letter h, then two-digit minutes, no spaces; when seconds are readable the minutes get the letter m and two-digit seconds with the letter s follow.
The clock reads 12h27
